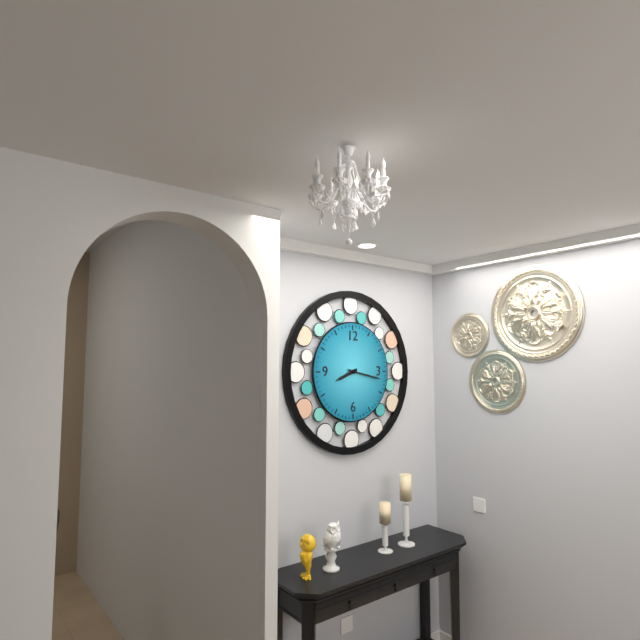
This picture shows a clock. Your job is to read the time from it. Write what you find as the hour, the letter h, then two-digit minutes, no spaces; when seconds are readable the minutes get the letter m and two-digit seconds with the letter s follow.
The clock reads 8h17
